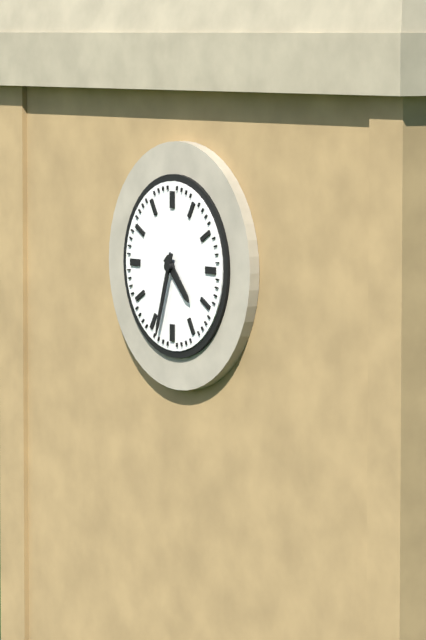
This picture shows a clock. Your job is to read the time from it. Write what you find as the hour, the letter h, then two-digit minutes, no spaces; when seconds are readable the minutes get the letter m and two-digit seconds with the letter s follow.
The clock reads 4h33
